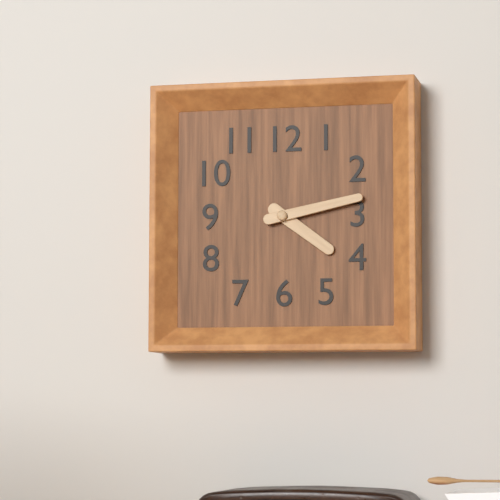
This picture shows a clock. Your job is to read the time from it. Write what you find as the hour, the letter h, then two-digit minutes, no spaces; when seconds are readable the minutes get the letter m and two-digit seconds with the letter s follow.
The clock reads 4h13
